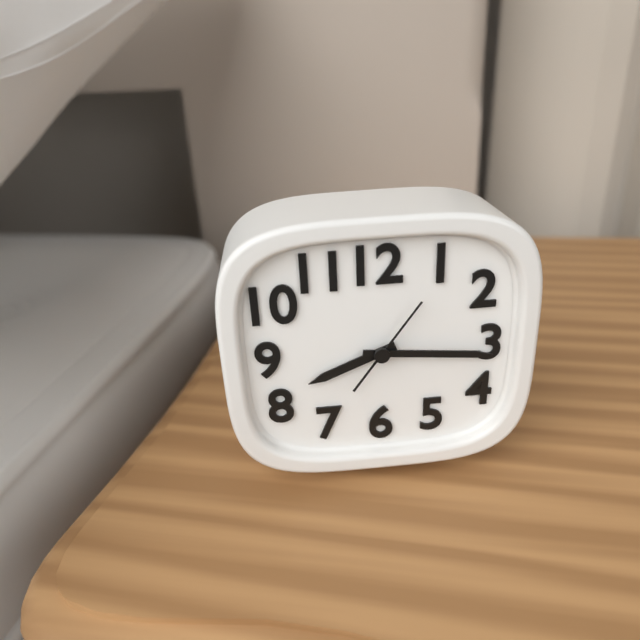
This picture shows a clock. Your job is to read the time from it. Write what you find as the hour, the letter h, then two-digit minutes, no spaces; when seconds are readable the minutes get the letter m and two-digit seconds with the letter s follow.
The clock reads 8h16m06s
